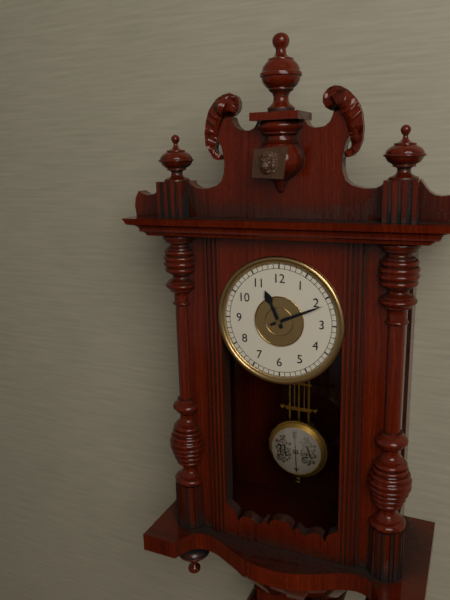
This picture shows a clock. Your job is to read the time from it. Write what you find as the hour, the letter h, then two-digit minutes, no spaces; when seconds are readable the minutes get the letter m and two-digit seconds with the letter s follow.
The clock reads 11h11
